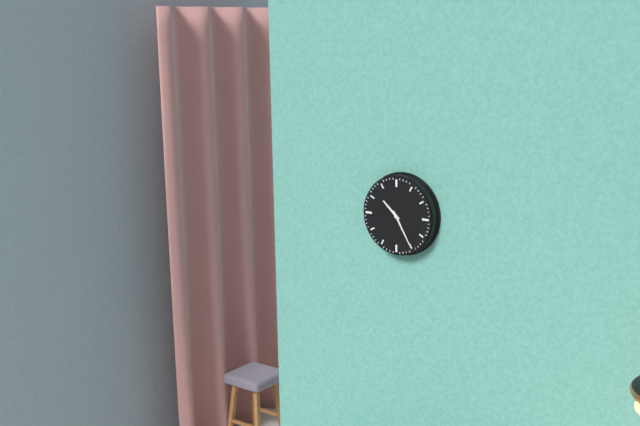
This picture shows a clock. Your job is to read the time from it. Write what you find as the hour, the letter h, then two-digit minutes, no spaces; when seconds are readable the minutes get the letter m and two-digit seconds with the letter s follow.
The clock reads 10h25
